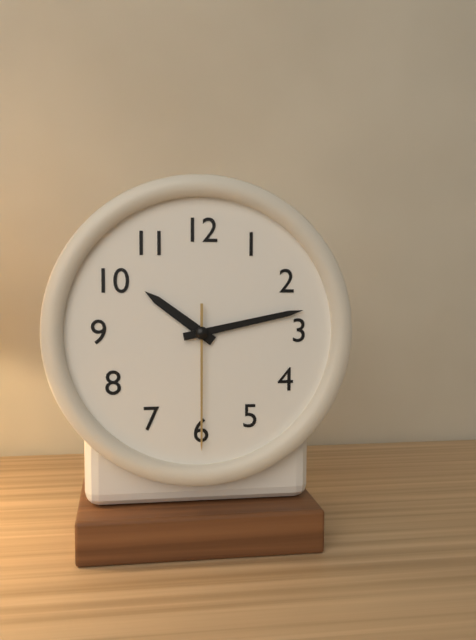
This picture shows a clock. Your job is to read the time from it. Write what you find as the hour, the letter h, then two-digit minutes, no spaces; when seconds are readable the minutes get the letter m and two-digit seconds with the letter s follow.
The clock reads 10h13m30s
